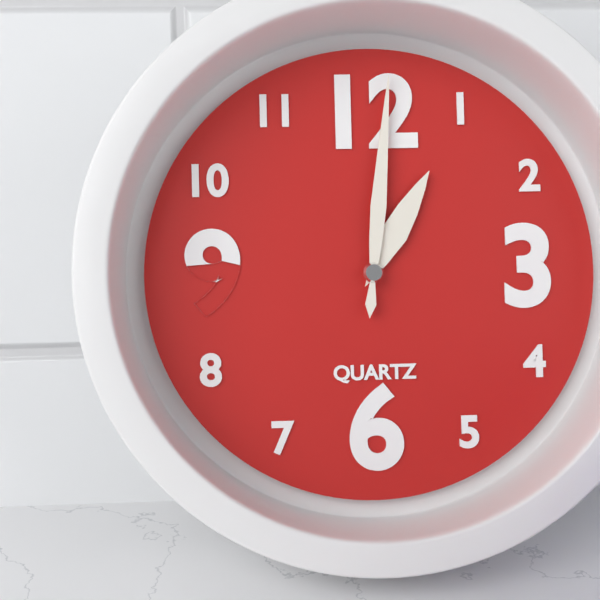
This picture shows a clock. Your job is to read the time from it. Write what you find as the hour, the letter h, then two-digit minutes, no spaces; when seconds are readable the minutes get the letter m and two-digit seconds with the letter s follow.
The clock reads 1h01
